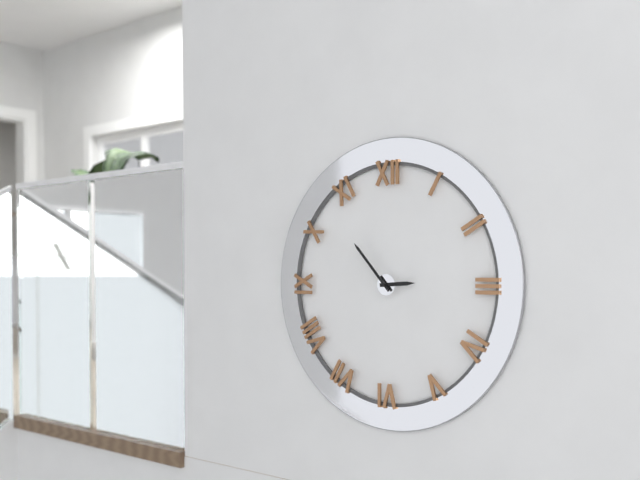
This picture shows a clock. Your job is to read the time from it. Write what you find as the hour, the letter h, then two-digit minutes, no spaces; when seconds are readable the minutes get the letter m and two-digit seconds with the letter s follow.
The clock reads 2h53
